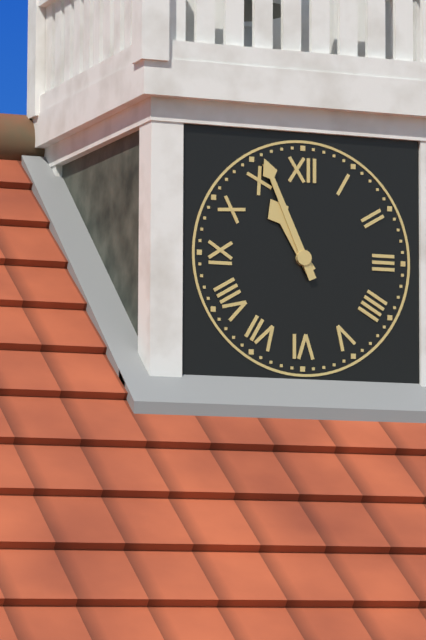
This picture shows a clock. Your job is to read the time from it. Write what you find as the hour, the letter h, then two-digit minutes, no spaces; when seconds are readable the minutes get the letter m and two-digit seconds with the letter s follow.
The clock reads 10h56
